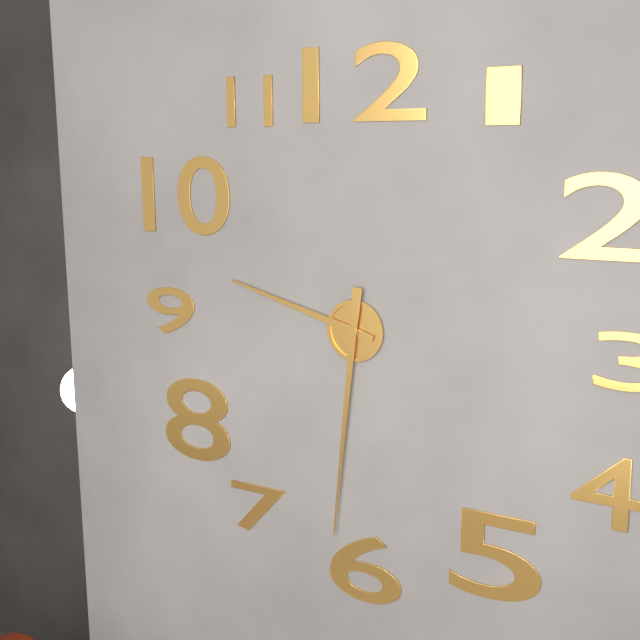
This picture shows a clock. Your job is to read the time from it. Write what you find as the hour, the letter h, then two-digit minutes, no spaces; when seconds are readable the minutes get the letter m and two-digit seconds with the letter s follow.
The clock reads 9h31
